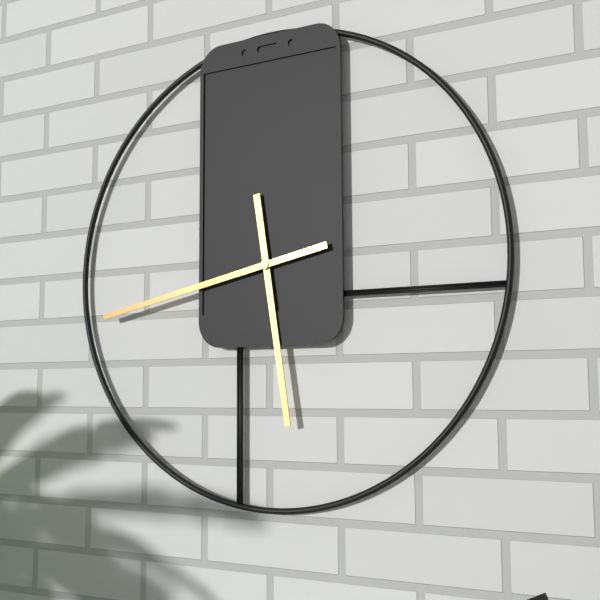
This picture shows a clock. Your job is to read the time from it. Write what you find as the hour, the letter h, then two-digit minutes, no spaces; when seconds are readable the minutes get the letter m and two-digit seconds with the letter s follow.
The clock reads 5h43
